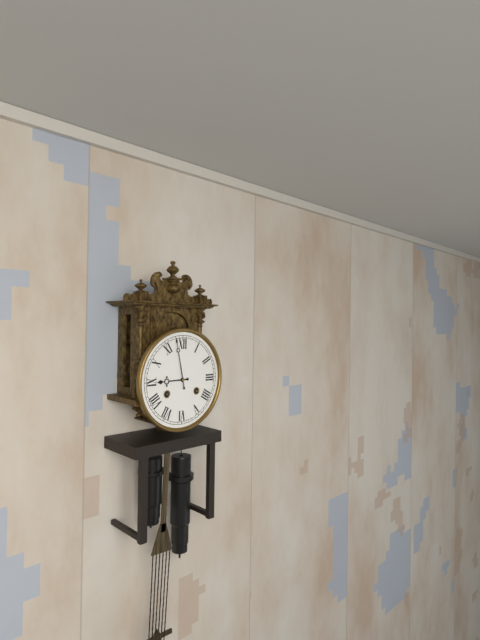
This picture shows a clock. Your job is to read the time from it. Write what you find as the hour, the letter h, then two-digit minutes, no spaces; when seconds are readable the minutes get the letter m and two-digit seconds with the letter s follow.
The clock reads 8h58
